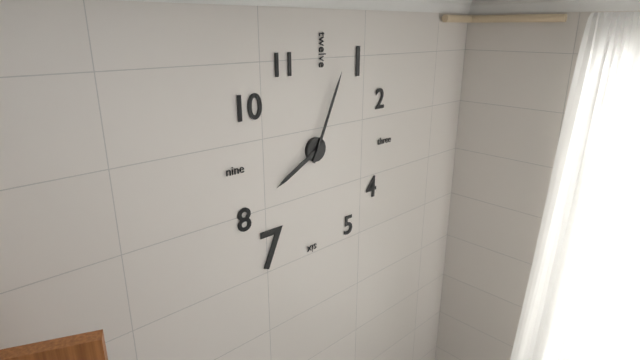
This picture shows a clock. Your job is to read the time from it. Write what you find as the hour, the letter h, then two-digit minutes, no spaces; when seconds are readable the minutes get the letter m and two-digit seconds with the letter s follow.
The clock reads 8h04
